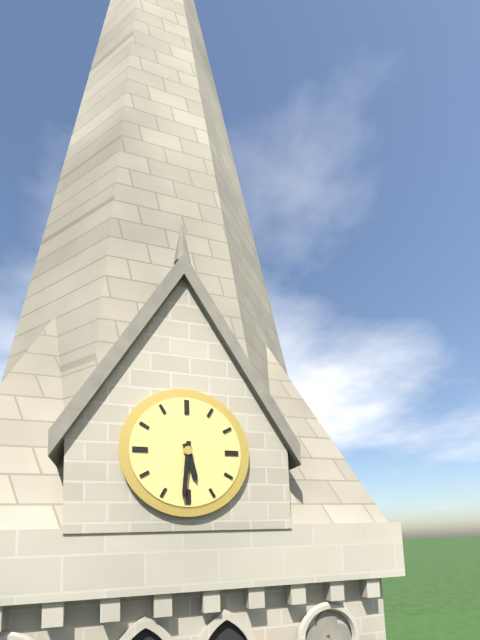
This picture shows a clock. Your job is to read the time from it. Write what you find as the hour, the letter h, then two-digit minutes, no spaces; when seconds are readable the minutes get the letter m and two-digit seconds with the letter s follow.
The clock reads 5h31
